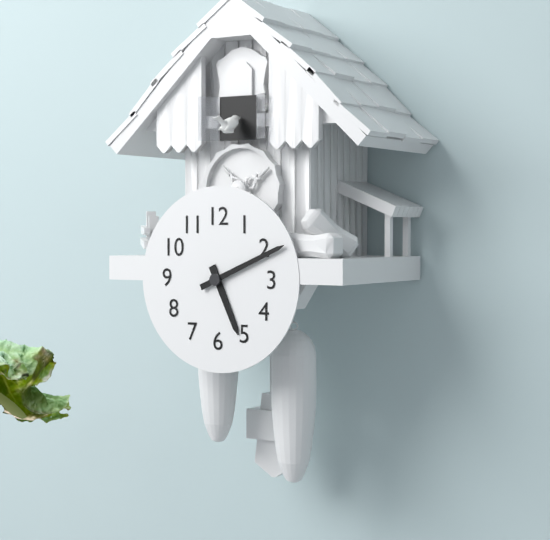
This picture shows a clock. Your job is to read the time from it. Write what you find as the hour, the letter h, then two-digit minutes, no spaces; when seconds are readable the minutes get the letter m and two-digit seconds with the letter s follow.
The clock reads 5h11
